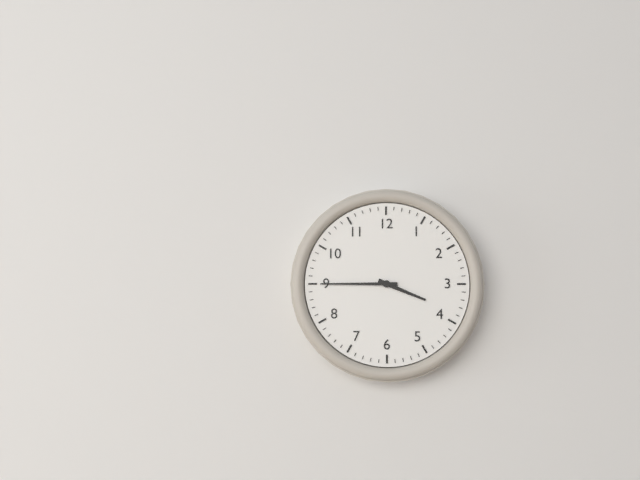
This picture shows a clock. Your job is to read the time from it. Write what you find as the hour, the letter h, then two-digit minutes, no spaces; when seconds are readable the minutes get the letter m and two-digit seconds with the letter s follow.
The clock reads 3h45
